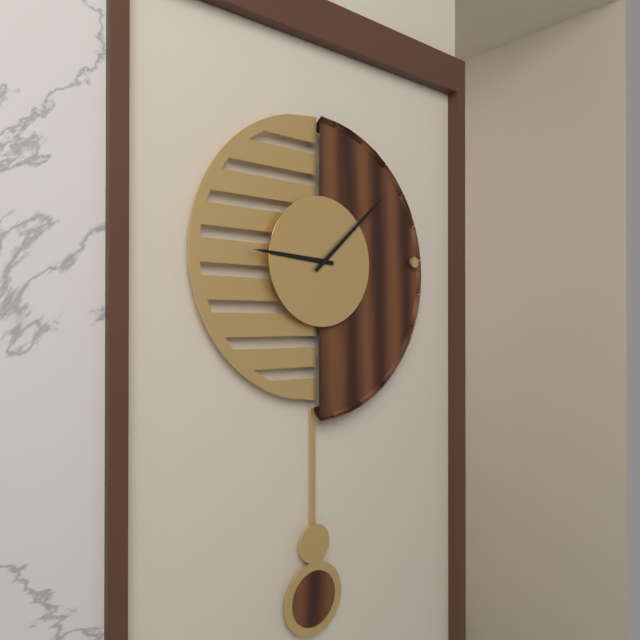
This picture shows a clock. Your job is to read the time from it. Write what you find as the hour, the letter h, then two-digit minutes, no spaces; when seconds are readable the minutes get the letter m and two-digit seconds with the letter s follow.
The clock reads 9h08
